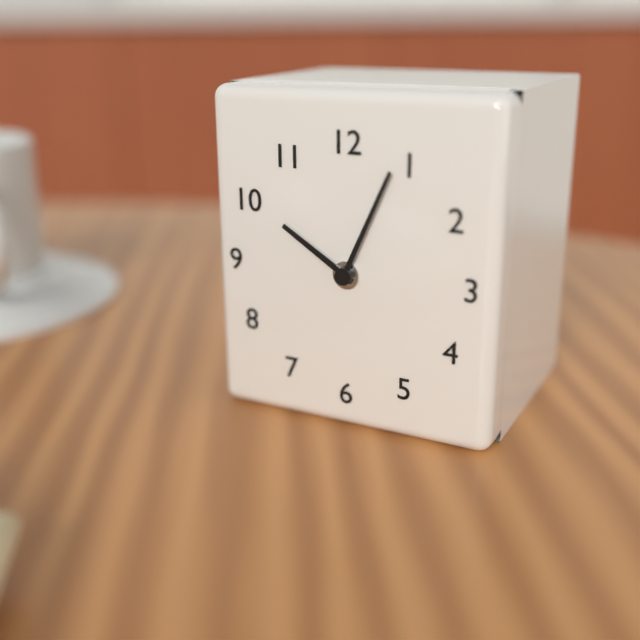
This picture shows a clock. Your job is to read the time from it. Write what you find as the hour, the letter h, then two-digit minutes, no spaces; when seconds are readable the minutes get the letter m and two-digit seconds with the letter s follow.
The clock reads 10h04
